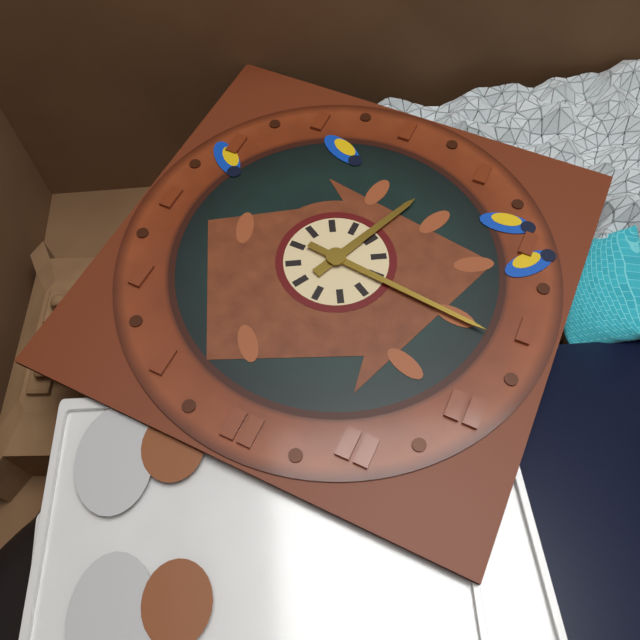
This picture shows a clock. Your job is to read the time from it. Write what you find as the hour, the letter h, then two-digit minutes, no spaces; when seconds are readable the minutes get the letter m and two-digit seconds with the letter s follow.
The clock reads 6h46
